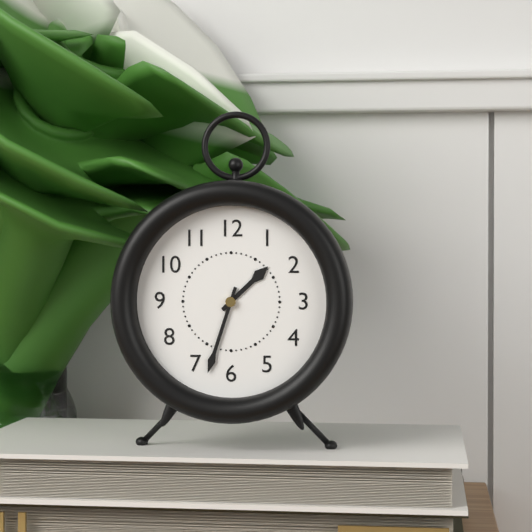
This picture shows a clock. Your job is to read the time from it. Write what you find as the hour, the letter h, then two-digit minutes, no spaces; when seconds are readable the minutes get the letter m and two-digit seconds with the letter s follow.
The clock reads 1h33
